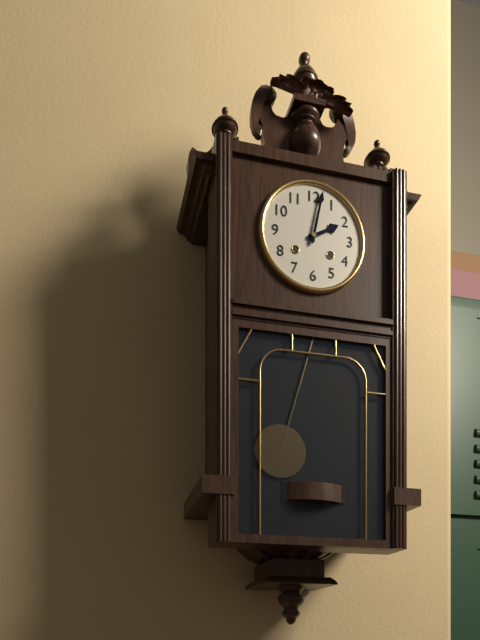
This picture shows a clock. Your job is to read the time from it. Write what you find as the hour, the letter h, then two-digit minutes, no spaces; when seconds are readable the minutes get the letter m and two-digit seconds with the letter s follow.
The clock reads 2h02
